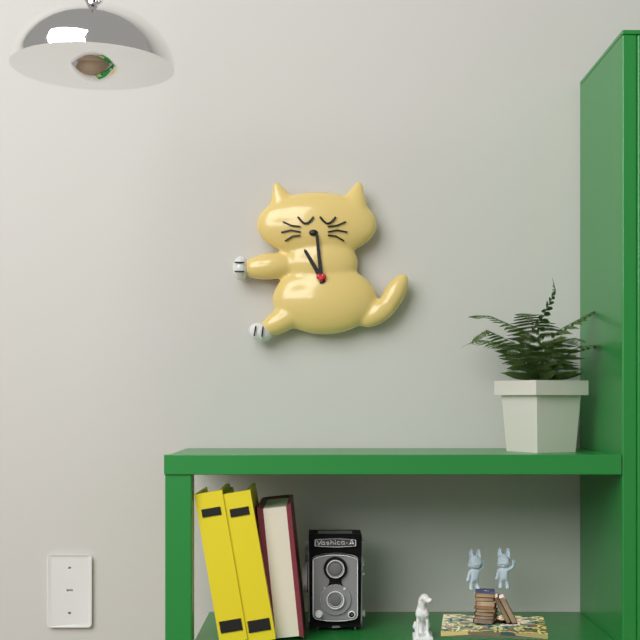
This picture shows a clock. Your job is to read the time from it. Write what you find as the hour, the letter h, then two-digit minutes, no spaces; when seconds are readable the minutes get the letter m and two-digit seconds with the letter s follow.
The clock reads 10h59
